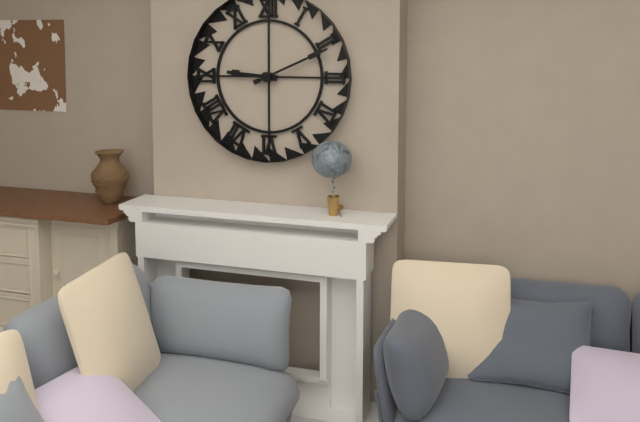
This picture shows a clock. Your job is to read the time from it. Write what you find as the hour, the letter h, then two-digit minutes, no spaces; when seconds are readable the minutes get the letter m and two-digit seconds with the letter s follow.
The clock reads 9h11
